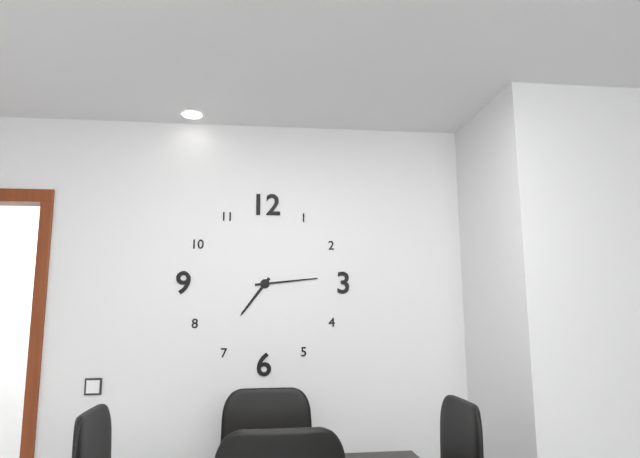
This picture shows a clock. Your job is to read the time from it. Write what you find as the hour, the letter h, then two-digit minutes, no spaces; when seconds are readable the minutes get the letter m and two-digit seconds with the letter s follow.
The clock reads 7h14
